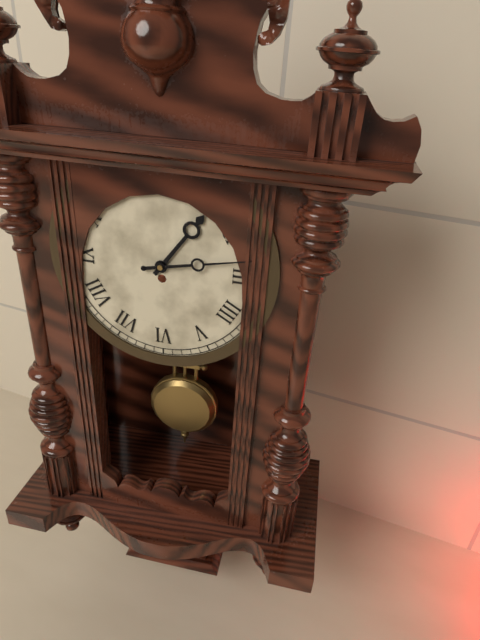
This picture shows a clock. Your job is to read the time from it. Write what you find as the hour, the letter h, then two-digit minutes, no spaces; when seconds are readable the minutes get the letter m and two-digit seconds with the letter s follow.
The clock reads 1h13
